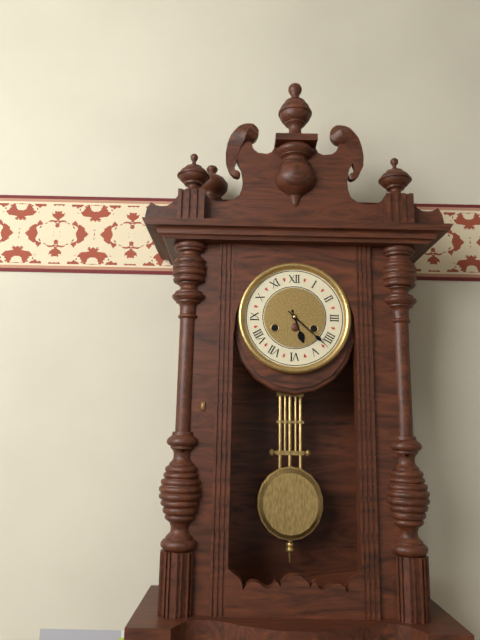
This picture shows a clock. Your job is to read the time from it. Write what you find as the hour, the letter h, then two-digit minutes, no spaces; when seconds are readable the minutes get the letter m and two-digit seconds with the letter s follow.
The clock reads 5h22
